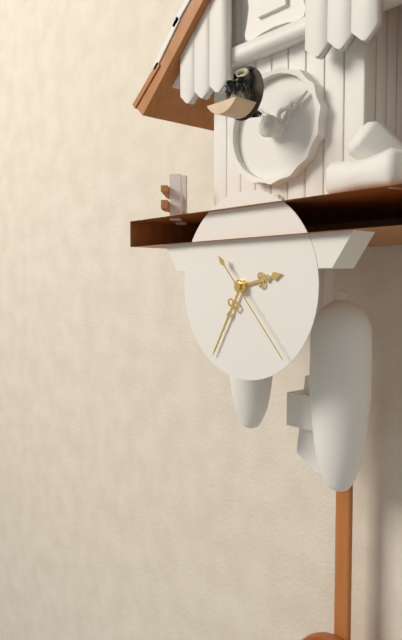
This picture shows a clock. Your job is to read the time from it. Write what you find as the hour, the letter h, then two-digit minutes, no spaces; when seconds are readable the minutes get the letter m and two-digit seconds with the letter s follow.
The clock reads 2h35m23s
